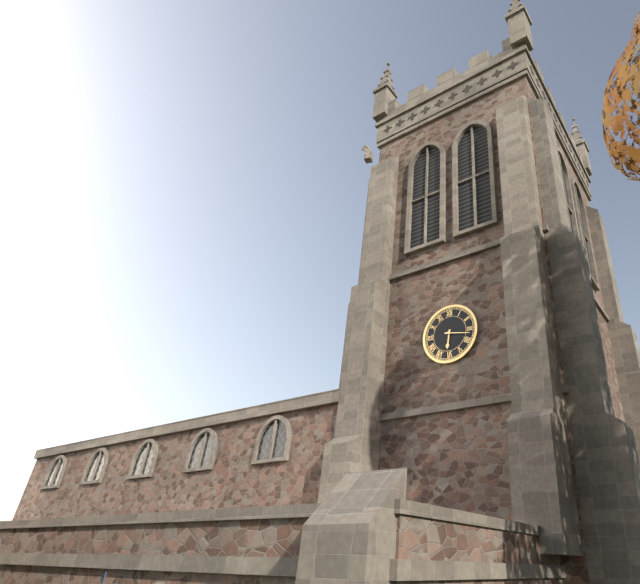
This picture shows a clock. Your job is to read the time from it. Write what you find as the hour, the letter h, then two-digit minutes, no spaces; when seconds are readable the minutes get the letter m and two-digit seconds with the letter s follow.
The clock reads 6h17
